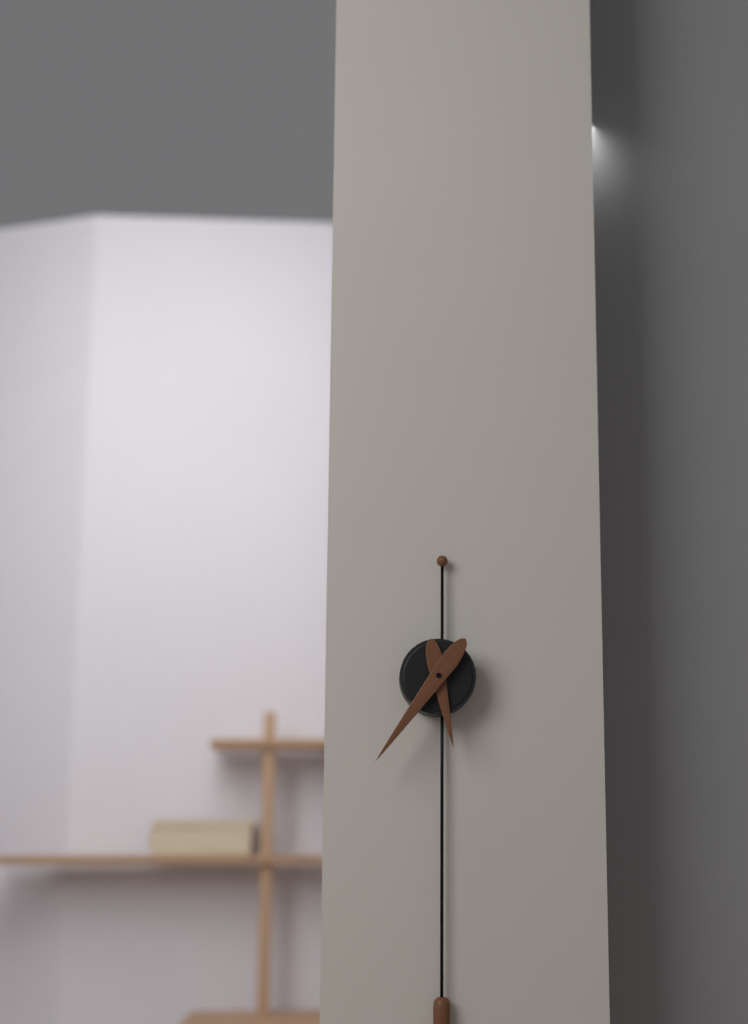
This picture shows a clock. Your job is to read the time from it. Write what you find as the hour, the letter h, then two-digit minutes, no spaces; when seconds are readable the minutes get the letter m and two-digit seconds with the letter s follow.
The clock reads 5h36
